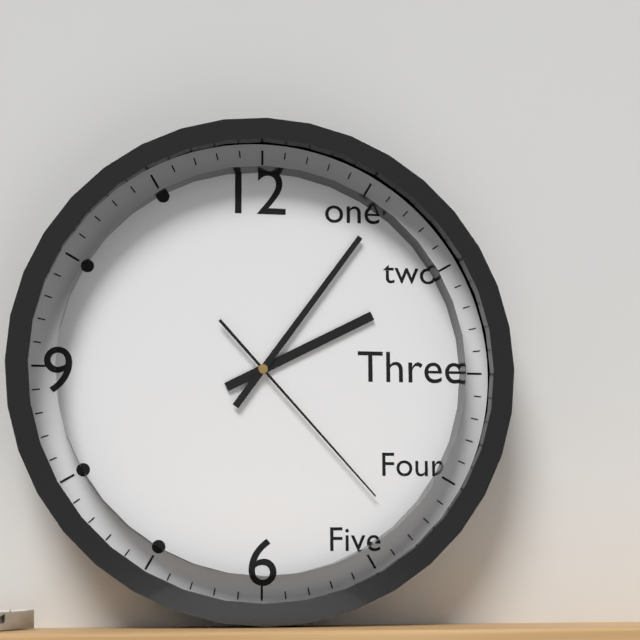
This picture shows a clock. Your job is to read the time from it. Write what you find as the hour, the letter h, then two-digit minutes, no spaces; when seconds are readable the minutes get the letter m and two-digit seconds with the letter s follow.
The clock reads 2h06m23s
